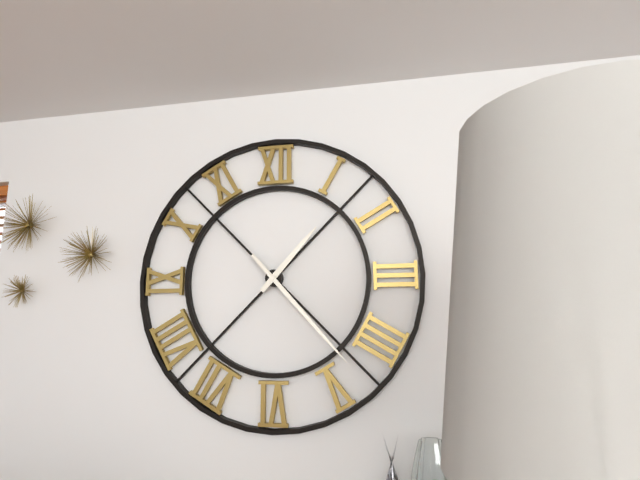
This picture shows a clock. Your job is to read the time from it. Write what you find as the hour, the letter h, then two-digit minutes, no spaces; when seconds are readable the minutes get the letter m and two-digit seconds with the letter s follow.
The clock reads 1h23
